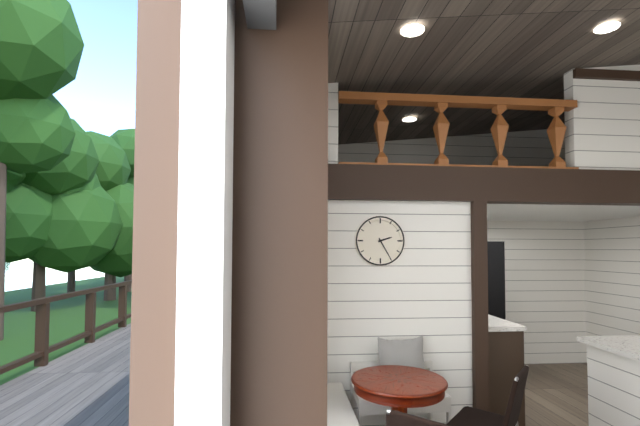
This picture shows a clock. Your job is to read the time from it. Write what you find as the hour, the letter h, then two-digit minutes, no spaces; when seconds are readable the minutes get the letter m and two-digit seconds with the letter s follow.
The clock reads 2h25
